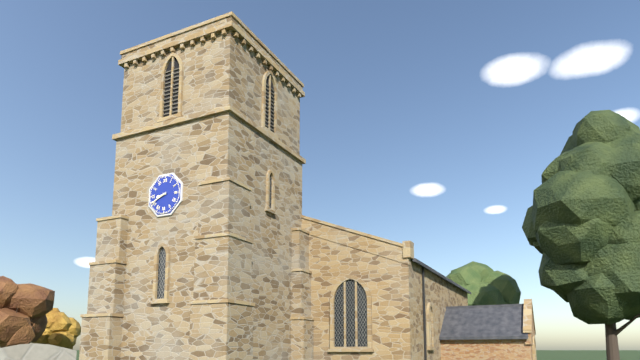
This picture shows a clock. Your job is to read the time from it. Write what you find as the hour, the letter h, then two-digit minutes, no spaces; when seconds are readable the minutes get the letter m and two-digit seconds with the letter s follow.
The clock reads 8h41
